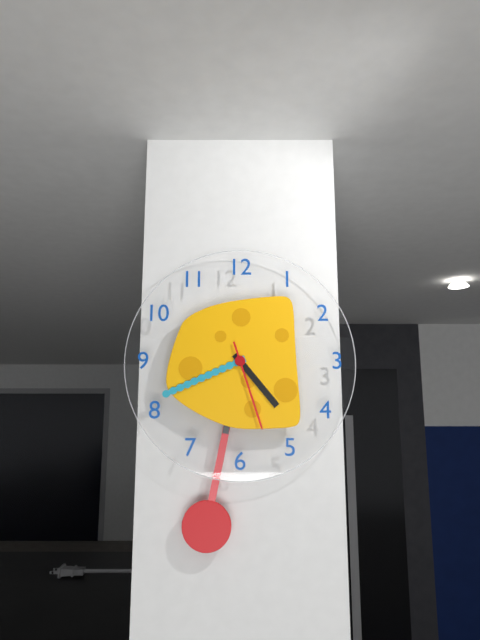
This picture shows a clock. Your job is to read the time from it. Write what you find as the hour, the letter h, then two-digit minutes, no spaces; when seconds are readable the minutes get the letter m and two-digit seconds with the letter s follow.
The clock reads 4h41m27s
